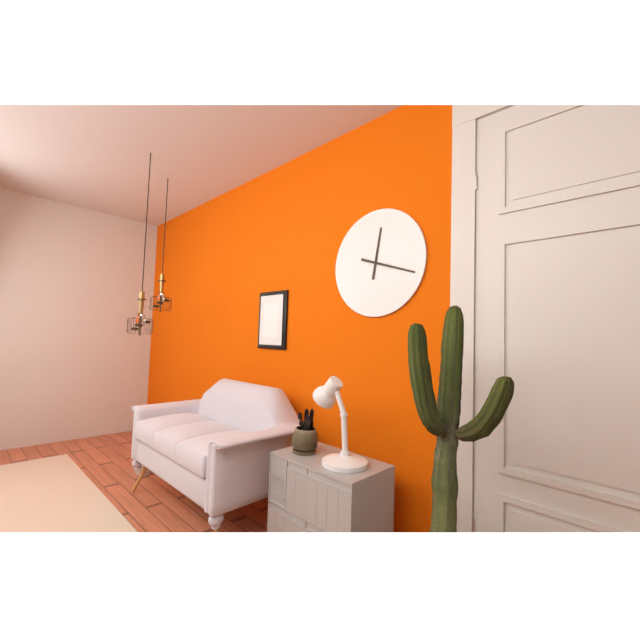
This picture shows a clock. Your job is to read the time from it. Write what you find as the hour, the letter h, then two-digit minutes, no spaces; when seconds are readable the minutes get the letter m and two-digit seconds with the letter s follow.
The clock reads 12h18
